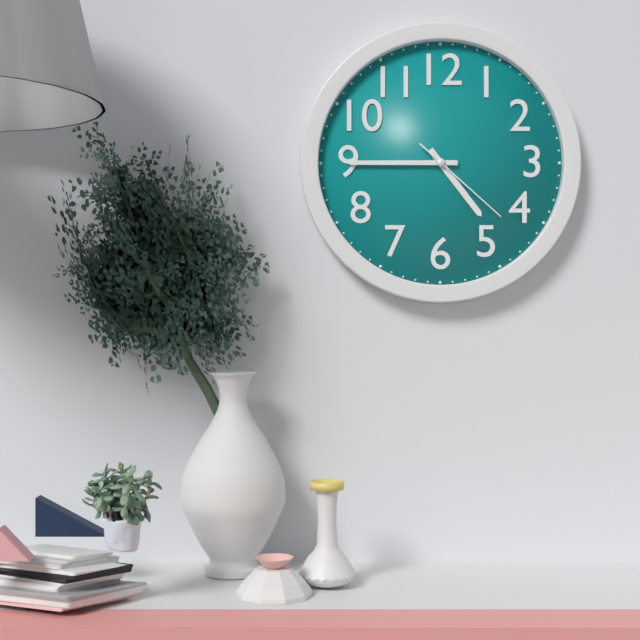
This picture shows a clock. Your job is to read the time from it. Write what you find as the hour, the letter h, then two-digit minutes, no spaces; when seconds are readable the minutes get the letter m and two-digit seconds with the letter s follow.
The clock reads 4h45m22s
